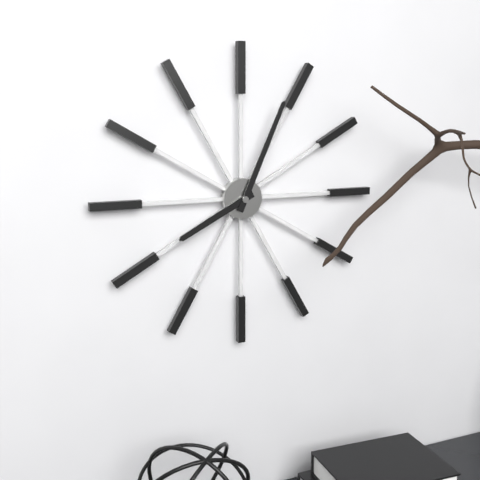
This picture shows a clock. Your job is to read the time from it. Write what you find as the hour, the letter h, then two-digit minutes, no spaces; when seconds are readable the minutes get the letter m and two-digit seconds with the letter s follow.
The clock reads 8h04
